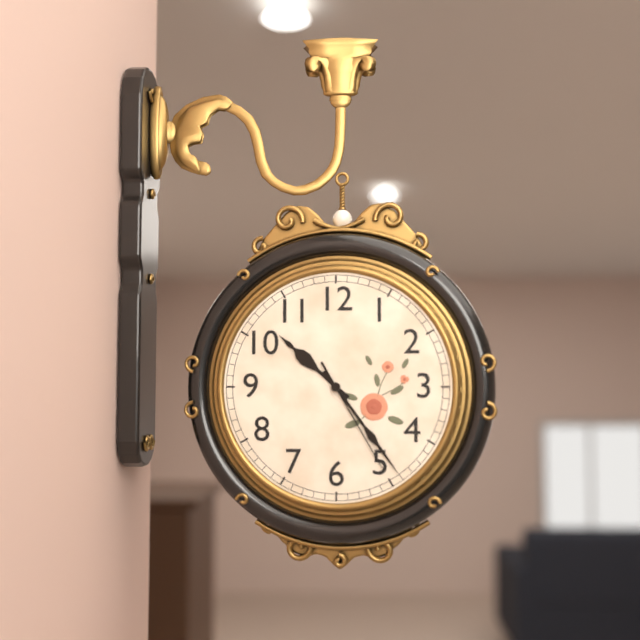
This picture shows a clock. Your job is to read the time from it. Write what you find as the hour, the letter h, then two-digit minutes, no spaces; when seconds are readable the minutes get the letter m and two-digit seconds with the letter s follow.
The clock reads 10h24m25s
